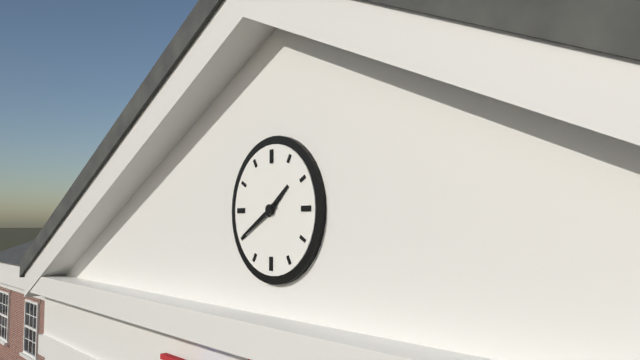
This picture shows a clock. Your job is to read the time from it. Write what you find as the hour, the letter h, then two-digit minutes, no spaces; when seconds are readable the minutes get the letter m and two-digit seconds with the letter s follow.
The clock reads 1h40
